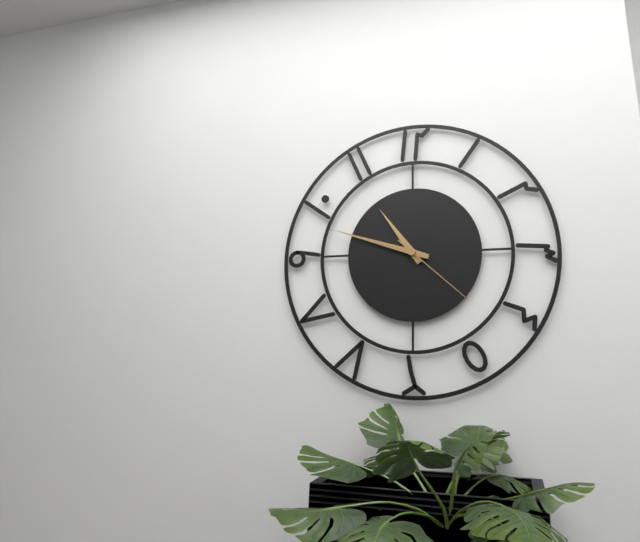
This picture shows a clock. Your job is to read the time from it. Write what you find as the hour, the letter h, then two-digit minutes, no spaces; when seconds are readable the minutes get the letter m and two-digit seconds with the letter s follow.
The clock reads 10h48m22s
